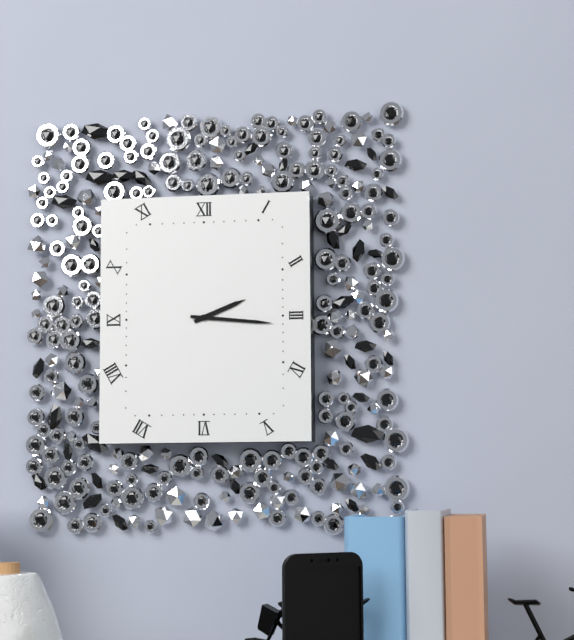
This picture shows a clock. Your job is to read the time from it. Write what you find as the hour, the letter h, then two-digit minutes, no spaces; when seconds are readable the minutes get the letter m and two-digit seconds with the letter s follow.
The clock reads 2h16
